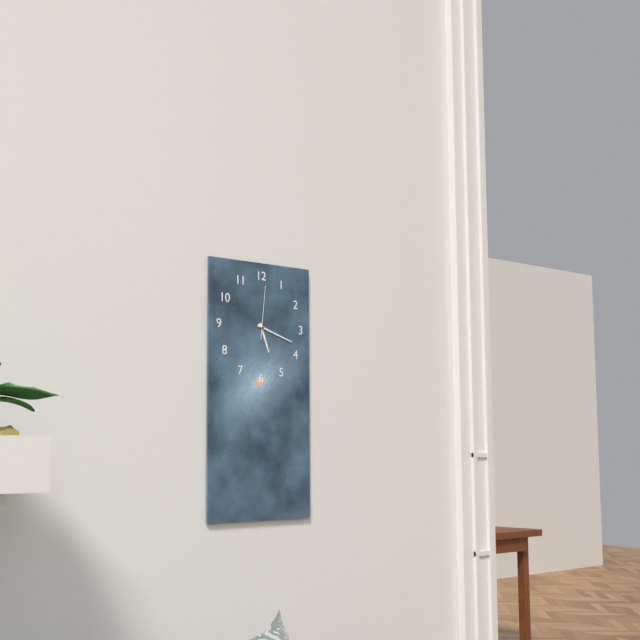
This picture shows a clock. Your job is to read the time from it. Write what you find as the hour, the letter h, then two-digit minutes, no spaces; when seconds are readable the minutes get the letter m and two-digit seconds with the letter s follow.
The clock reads 5h18m01s
